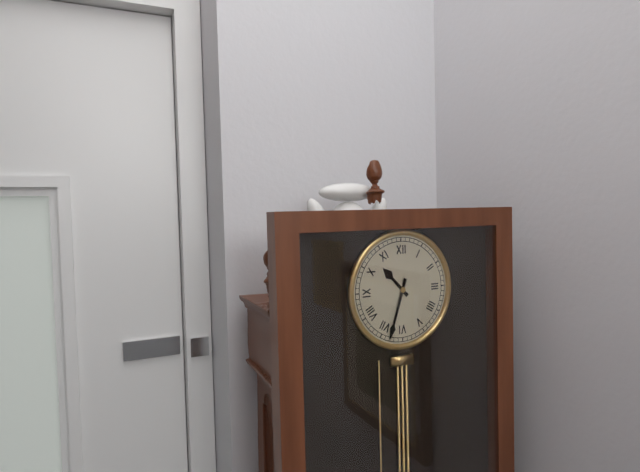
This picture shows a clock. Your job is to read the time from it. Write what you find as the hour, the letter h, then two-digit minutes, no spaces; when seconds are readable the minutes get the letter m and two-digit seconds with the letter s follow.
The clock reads 10h33
